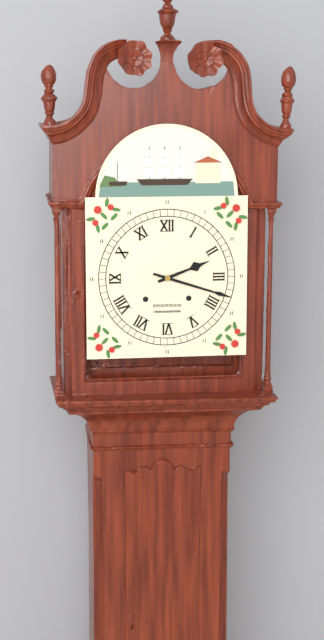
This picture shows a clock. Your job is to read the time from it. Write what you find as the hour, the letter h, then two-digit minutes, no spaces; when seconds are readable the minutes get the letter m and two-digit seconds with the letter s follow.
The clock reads 2h18
